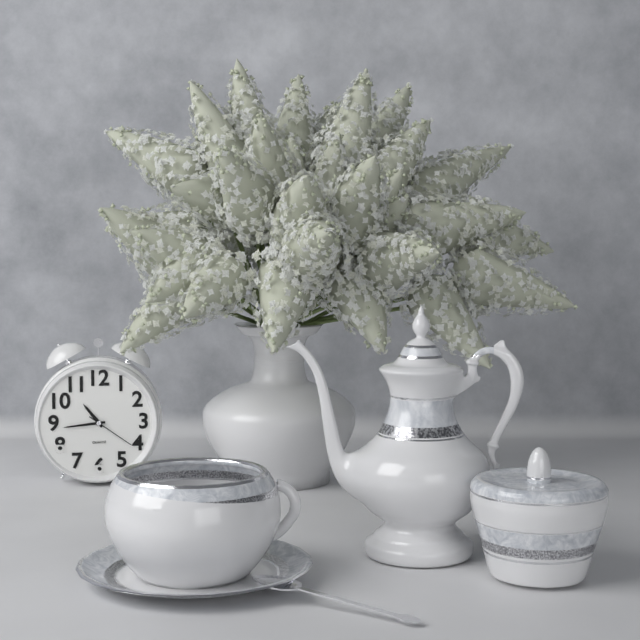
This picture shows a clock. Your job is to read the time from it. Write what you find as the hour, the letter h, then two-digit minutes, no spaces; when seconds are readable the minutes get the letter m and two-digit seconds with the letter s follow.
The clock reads 10h44
